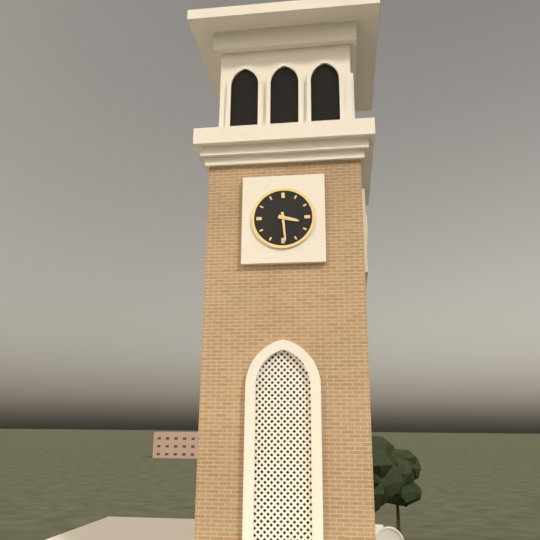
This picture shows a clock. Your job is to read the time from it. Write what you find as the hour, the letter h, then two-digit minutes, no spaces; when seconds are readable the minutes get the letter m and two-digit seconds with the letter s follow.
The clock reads 3h29
